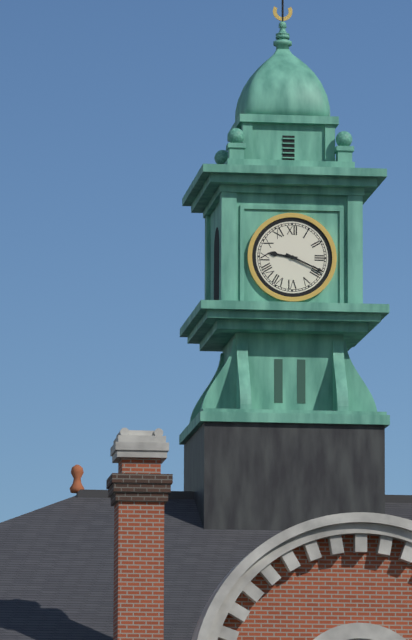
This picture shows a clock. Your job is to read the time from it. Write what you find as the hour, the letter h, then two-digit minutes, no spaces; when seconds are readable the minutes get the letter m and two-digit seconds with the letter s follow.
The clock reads 9h19
